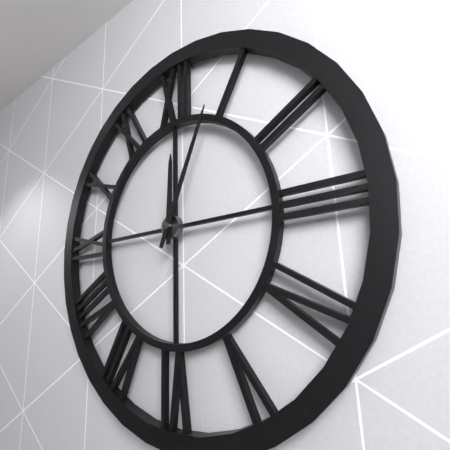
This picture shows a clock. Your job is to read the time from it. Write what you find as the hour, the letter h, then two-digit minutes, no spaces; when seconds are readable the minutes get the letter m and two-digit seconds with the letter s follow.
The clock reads 12h04
